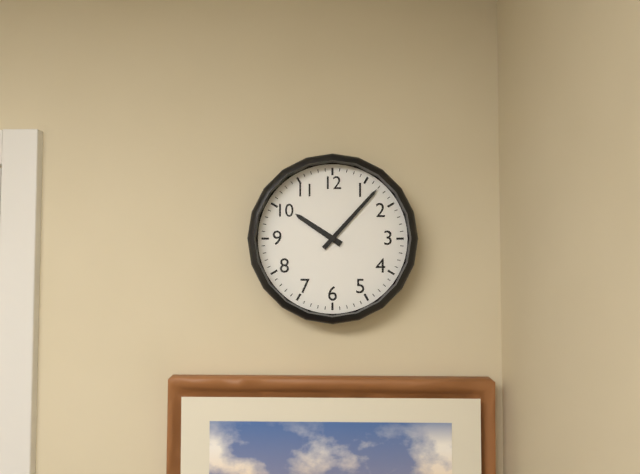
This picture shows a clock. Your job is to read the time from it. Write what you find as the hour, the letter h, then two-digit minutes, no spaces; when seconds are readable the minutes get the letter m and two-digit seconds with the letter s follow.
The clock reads 10h07
